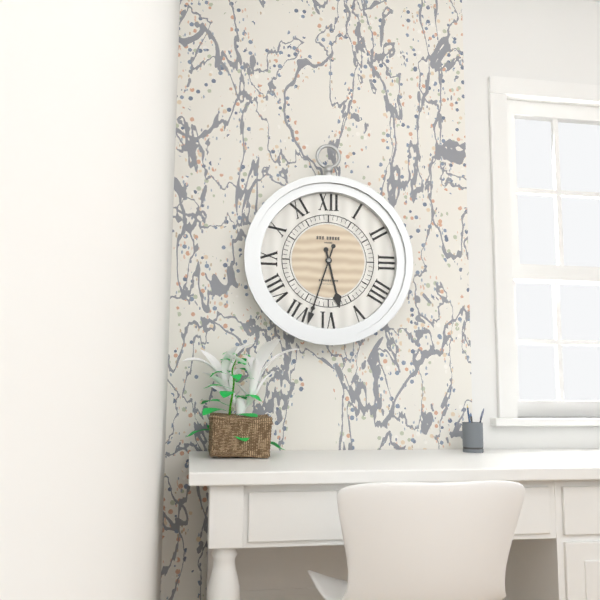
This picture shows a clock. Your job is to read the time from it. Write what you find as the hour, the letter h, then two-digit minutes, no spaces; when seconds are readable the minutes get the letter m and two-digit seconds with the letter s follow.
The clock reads 5h33
